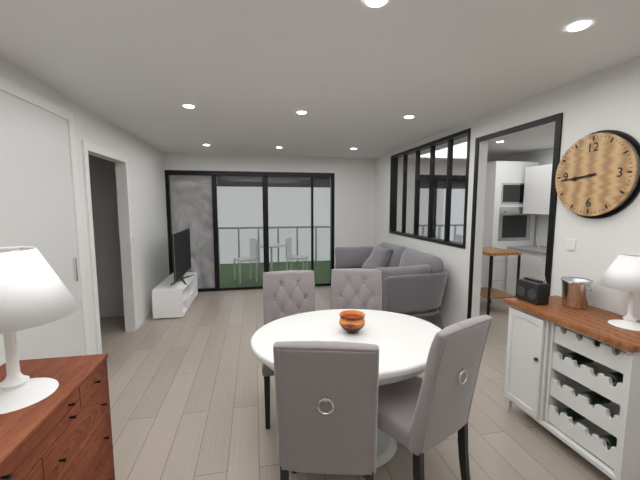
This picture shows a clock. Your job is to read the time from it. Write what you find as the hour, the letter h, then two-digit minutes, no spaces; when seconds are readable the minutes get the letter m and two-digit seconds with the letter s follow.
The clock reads 8h44
